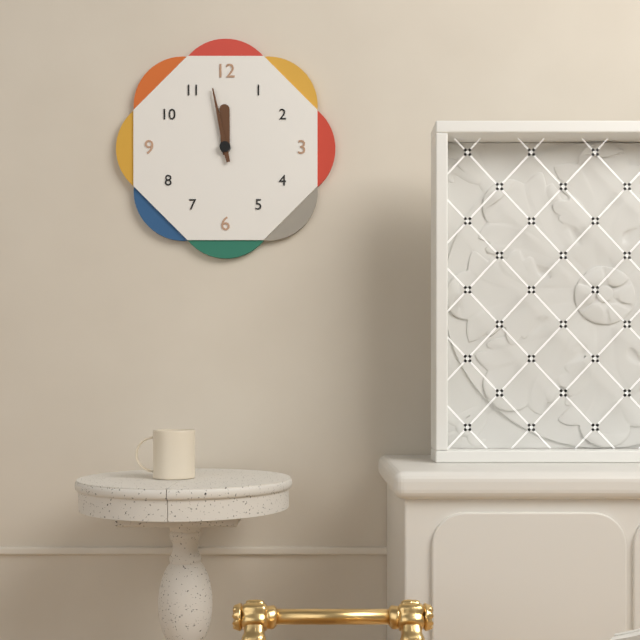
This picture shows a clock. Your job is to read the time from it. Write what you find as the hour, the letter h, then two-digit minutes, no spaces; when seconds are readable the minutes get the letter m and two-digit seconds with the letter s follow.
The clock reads 11h58
